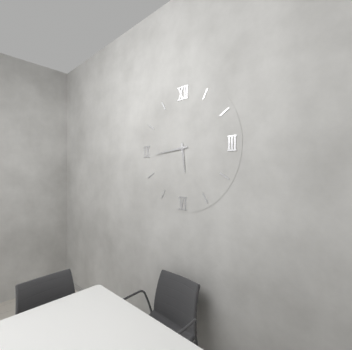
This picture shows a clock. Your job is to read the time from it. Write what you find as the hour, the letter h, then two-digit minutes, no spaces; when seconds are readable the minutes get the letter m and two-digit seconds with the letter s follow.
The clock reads 5h44
